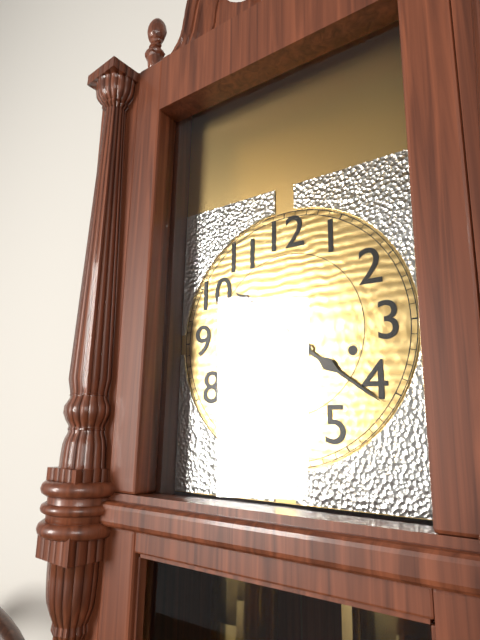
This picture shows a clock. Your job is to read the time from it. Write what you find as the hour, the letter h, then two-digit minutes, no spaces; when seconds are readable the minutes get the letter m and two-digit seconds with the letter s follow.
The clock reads 10h21
